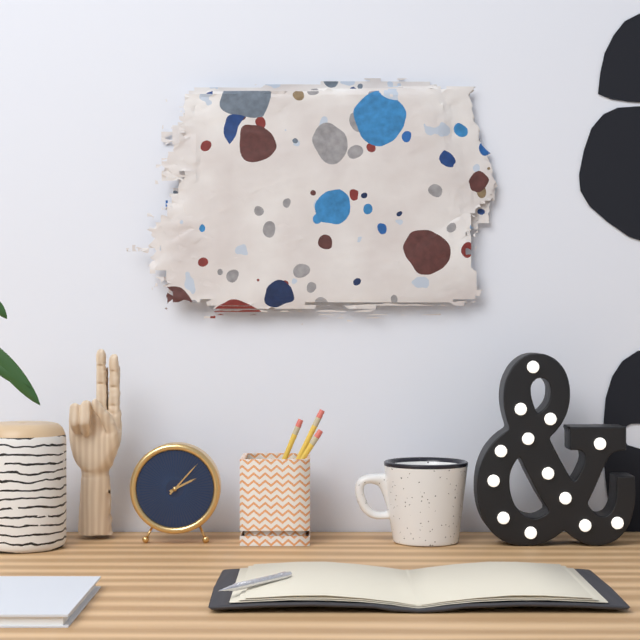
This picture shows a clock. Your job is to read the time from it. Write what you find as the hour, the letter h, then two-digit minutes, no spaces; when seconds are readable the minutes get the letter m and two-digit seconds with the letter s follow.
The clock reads 2h07
